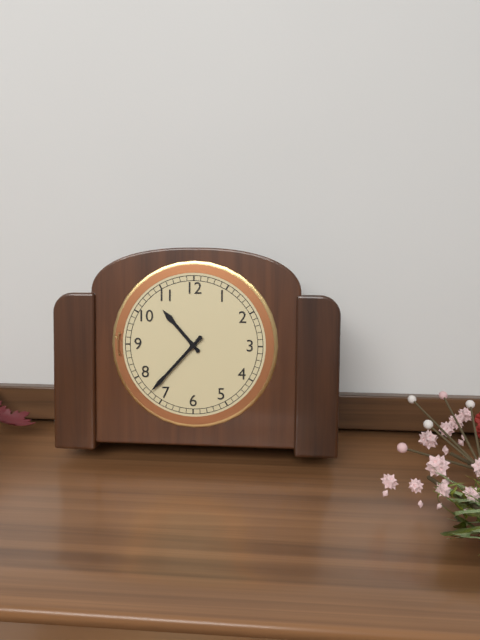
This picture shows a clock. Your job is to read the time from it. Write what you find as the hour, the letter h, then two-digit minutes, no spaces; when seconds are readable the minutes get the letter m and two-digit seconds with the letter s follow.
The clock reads 10h37
